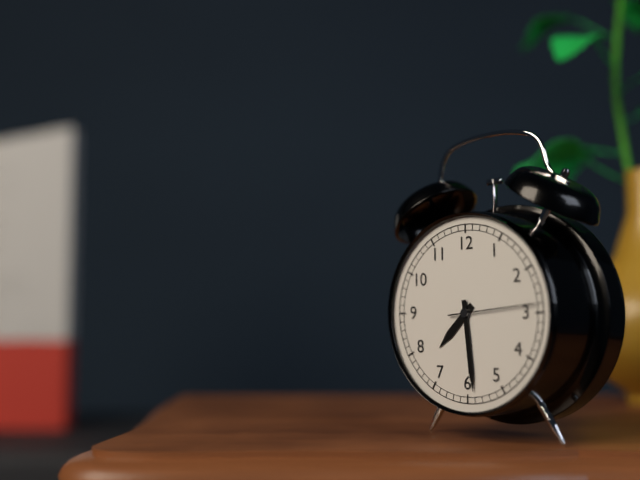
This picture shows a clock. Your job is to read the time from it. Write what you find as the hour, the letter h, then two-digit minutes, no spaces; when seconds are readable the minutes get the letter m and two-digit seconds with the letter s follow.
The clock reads 7h29m14s
